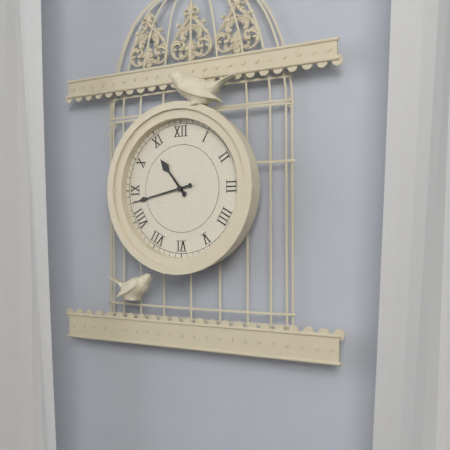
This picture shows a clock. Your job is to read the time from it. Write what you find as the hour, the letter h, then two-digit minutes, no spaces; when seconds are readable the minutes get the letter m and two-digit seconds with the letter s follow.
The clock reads 10h43
